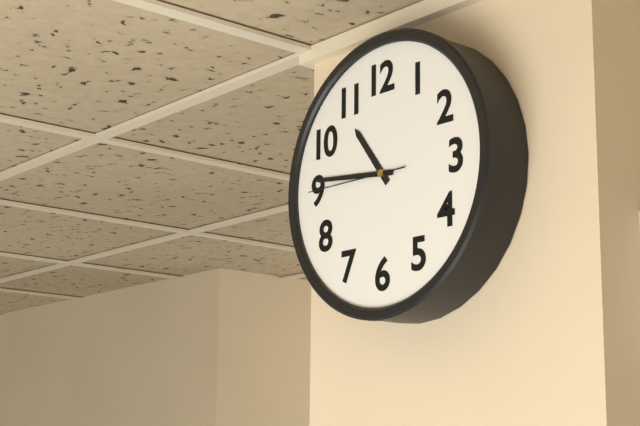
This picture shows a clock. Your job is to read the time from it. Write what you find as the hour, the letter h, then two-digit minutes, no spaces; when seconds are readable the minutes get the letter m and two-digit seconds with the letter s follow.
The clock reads 10h46m45s
